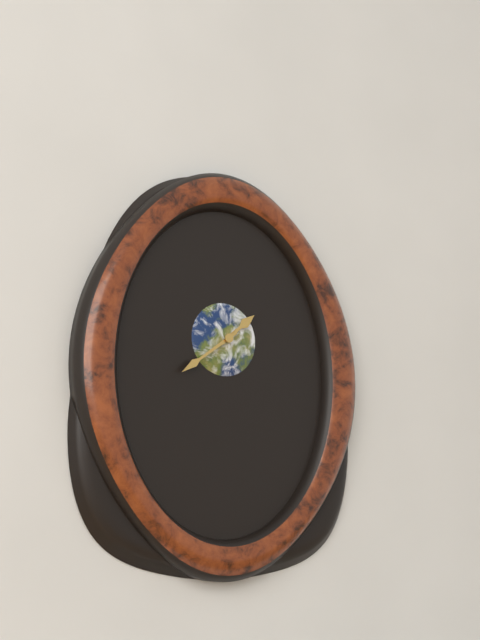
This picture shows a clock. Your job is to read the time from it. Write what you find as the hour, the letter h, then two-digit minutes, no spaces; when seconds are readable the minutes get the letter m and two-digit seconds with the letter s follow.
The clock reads 1h39
